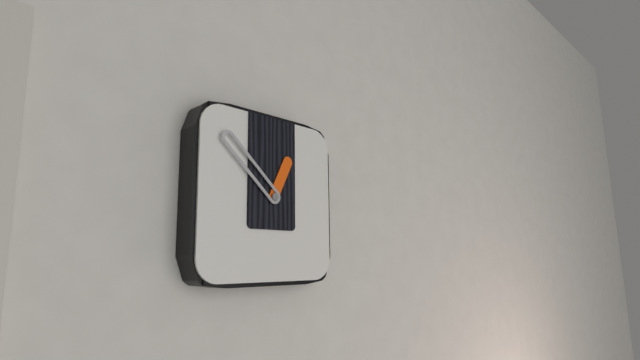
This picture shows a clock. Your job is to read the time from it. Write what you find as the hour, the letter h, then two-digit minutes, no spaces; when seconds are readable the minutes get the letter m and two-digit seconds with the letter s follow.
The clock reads 12h52
